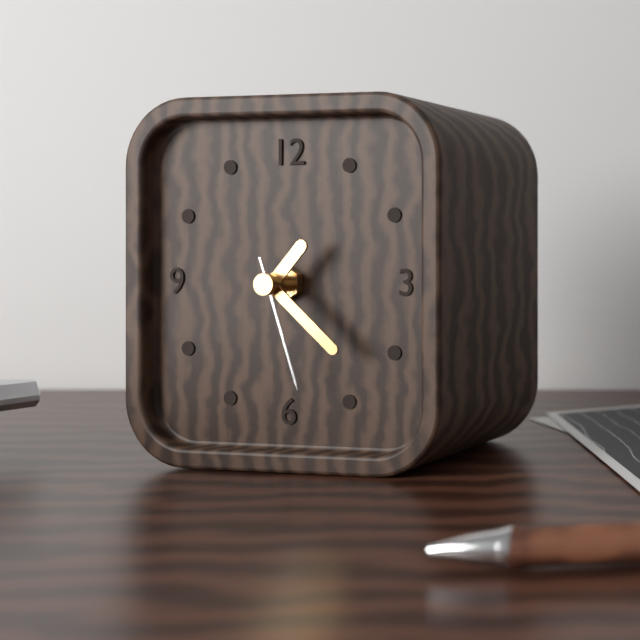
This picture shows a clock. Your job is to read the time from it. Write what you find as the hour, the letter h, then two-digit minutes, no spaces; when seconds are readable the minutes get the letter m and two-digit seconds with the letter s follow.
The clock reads 1h22m27s
